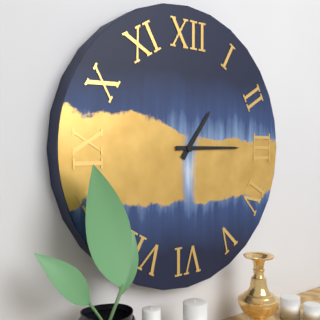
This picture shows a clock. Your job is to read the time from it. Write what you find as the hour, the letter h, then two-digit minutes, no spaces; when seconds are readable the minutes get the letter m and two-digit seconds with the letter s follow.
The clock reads 1h15
